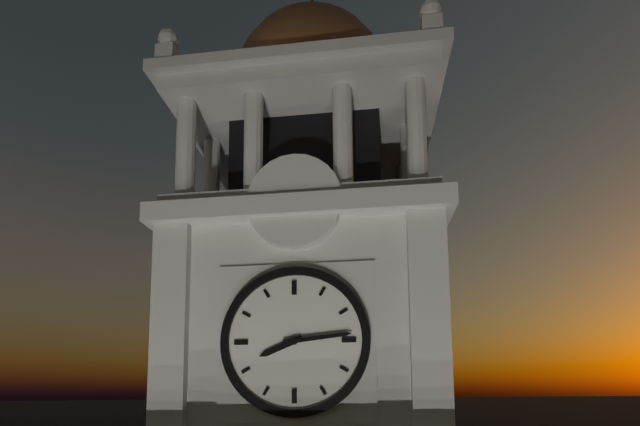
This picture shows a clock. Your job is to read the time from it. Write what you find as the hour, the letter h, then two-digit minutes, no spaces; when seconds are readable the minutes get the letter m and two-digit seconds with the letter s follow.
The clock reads 8h14
